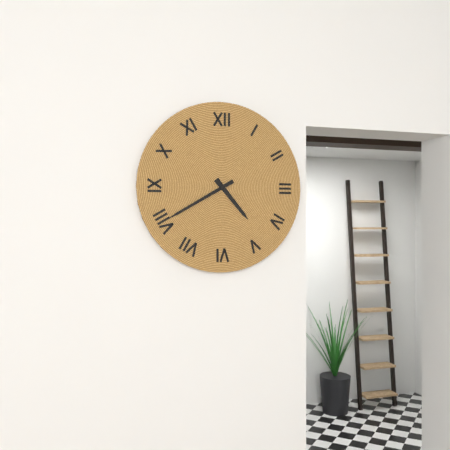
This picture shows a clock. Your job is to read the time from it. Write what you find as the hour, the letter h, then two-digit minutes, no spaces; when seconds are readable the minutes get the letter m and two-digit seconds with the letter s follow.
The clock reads 4h40
